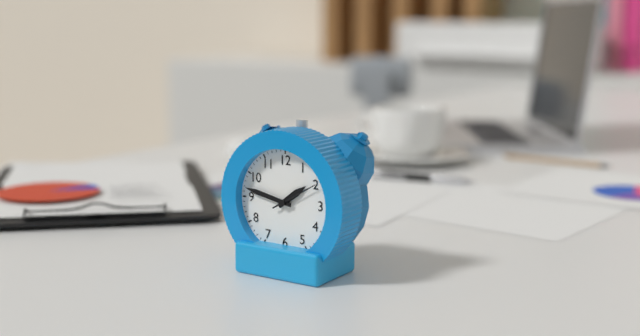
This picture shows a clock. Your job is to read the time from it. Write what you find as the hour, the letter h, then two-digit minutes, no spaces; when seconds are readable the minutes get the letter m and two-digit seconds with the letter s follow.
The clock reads 1h47
